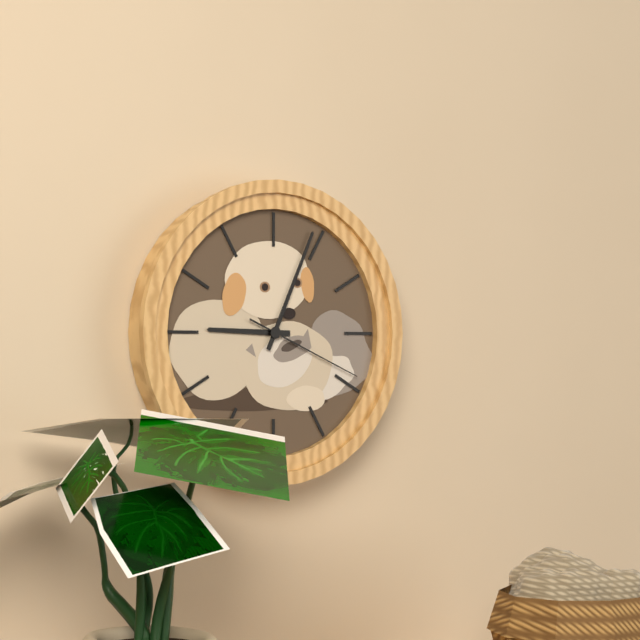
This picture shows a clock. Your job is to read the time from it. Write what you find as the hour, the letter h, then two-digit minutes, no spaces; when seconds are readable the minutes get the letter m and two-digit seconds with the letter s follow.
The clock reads 9h04m19s
